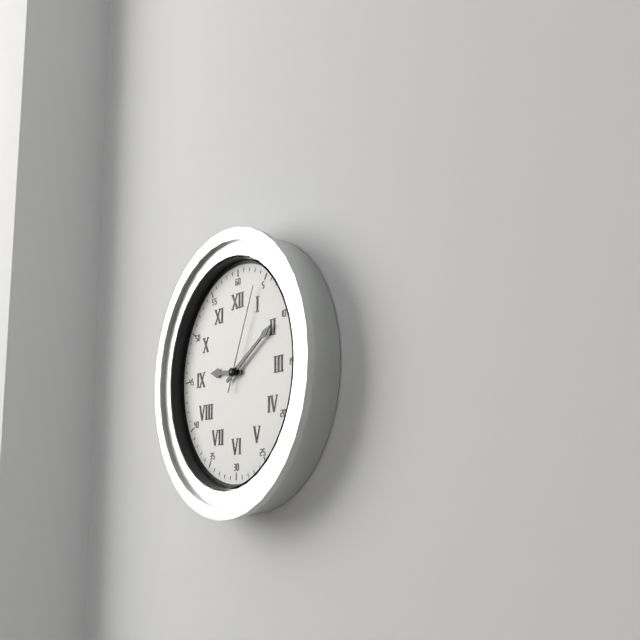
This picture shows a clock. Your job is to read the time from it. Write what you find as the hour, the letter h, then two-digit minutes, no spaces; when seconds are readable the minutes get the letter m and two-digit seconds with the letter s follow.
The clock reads 9h10m04s
